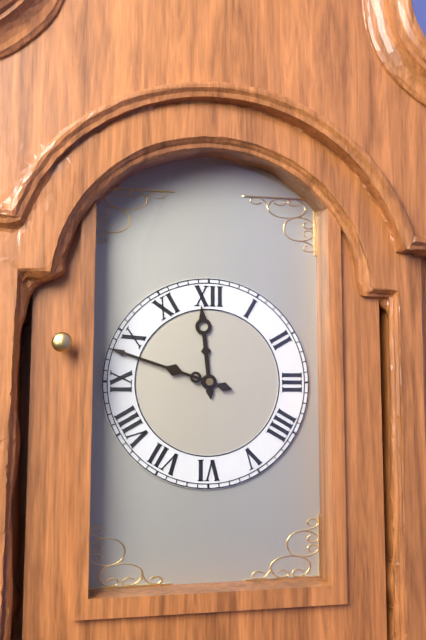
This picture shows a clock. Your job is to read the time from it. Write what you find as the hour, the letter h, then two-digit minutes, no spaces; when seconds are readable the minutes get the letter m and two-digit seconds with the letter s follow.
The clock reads 11h48
